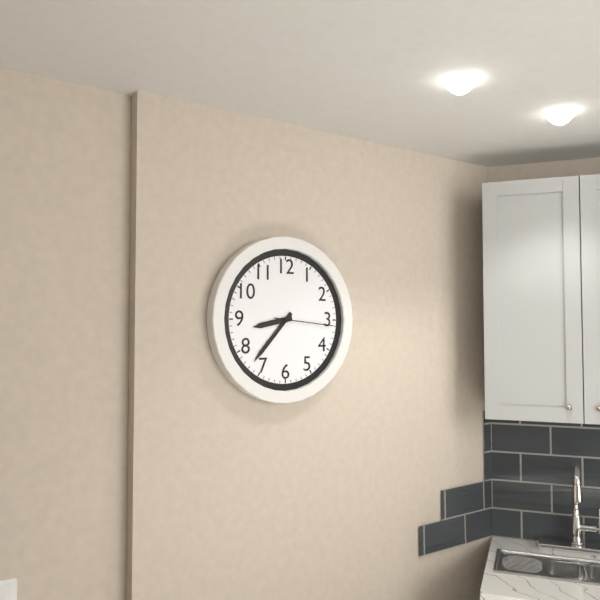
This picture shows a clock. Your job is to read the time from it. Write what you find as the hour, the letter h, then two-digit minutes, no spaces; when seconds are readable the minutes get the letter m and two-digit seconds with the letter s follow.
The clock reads 8h37m16s
